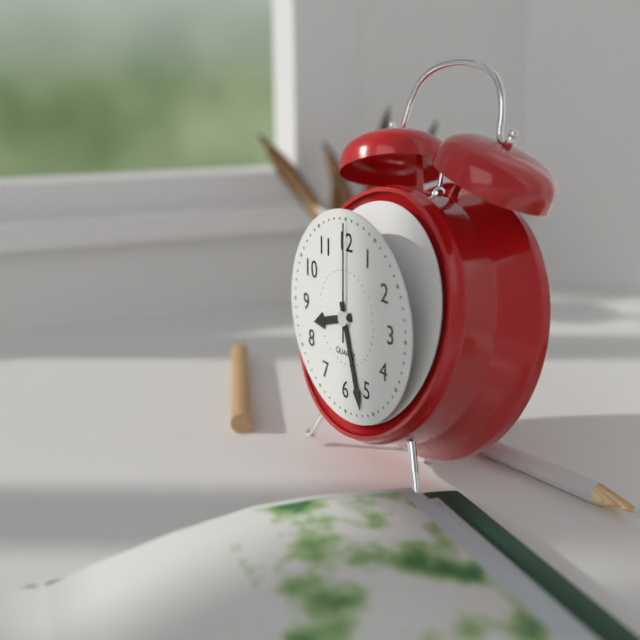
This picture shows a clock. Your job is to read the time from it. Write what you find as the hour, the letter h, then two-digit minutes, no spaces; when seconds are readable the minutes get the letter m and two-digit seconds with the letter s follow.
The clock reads 8h27m00s
